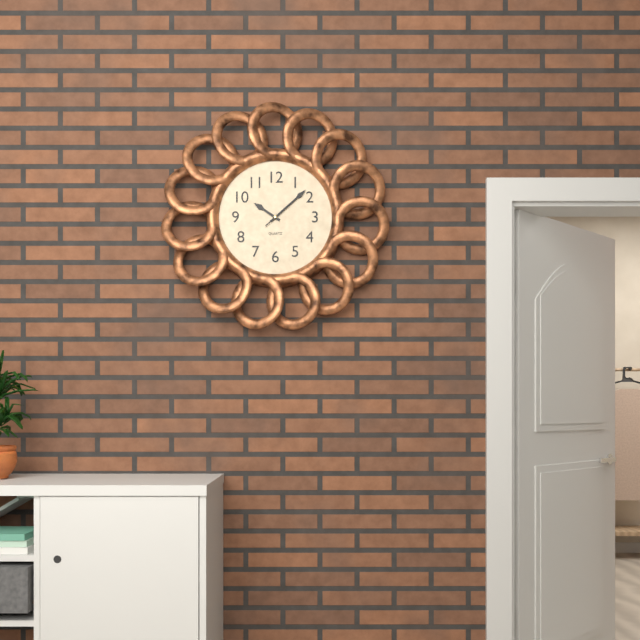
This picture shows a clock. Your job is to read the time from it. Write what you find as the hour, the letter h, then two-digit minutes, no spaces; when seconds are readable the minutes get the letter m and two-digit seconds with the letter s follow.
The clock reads 10h08
